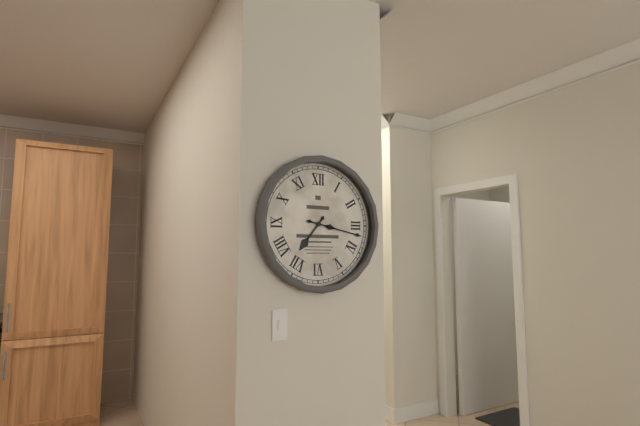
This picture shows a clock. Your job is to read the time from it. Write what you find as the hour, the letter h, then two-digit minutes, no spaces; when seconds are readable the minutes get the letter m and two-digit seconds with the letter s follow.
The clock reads 7h17
